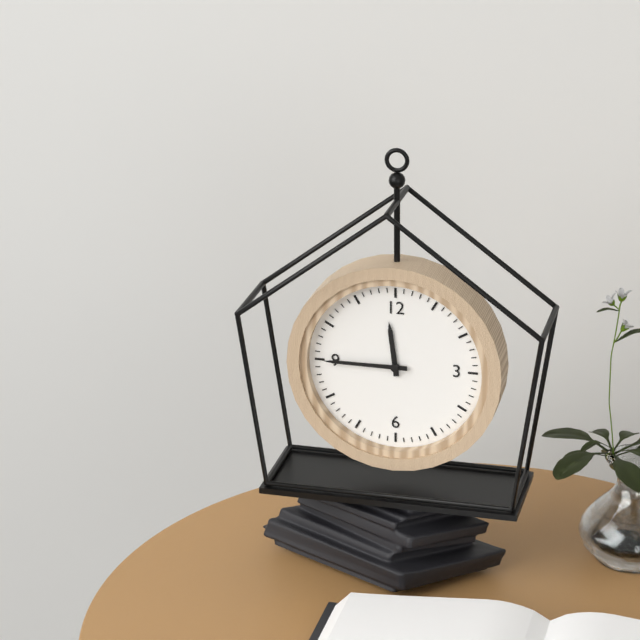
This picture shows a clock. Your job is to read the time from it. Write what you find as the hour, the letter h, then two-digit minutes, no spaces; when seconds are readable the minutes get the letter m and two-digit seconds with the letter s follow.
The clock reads 11h45
